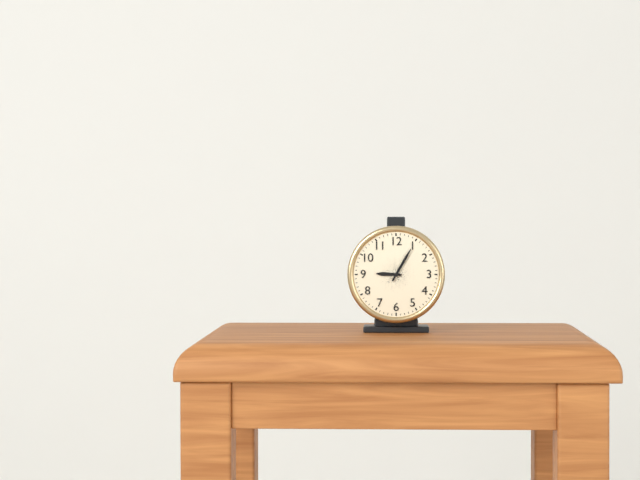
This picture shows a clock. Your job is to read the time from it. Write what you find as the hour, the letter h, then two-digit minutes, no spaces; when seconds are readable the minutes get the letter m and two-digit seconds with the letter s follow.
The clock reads 9h05
